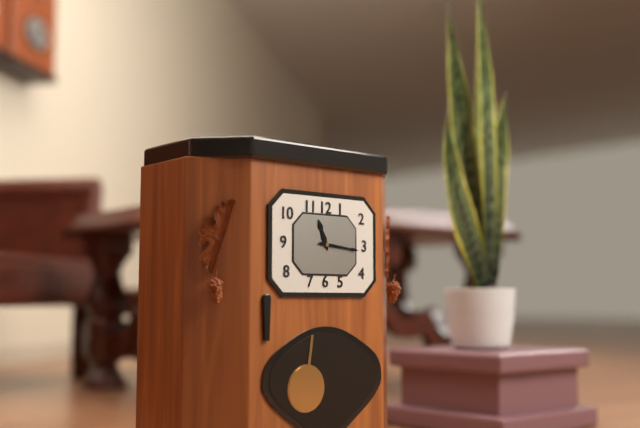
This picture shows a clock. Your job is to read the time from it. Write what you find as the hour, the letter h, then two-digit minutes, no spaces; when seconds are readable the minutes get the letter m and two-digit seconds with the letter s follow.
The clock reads 11h16
